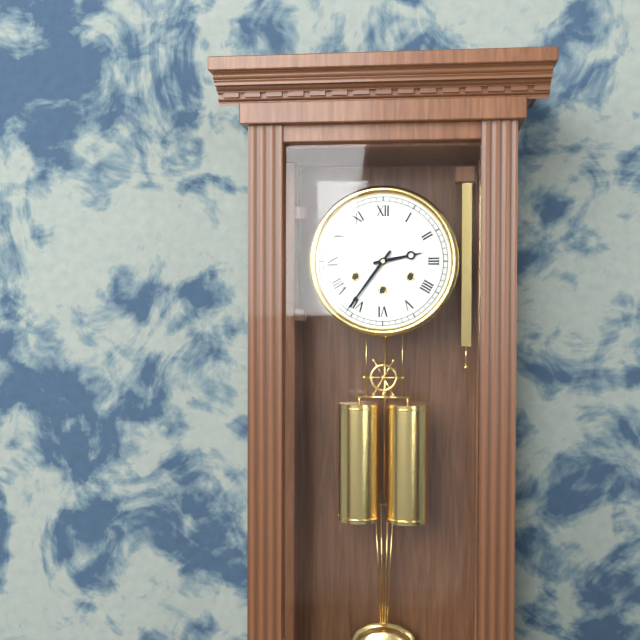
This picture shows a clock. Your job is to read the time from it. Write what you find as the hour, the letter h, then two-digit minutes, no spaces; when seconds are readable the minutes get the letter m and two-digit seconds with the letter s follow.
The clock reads 2h36
